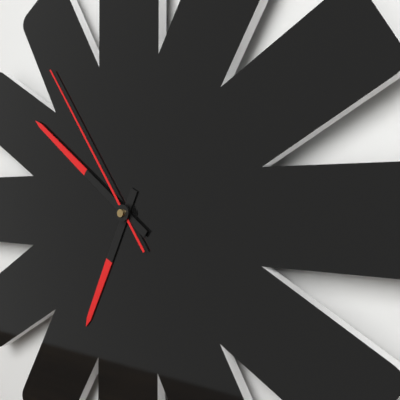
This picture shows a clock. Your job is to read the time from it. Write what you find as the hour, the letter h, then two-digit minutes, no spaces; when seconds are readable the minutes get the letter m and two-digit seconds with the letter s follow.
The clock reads 6h51m54s
